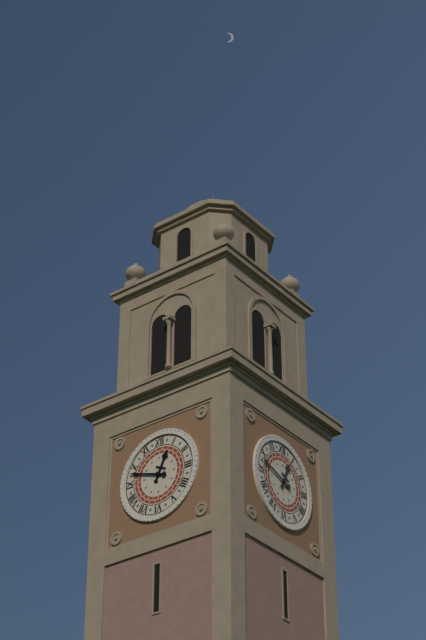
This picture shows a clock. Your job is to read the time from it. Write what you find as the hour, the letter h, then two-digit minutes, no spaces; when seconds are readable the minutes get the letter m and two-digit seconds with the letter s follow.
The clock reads 12h48
